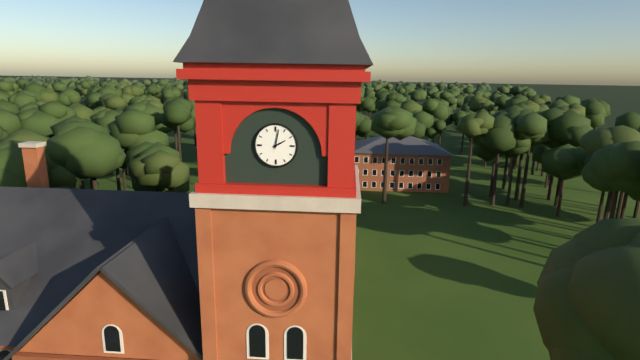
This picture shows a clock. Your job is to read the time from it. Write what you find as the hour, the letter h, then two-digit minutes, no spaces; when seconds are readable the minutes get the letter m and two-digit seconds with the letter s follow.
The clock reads 2h02
